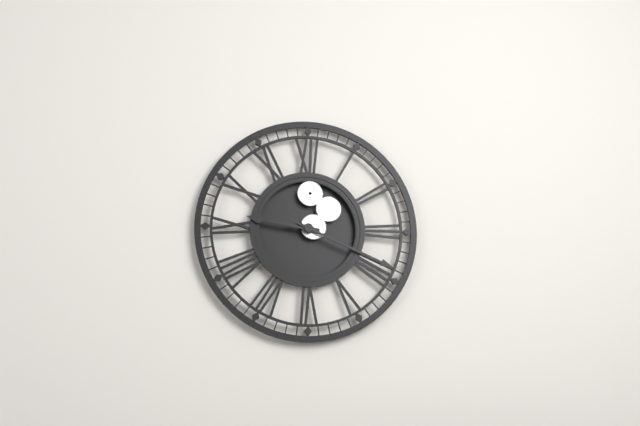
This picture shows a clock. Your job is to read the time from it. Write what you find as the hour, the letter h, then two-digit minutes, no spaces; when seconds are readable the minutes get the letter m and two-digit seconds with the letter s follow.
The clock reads 9h19
